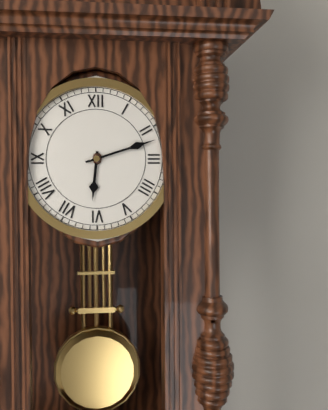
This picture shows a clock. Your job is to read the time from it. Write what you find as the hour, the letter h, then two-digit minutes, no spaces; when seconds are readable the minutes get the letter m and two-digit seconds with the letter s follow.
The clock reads 6h12
